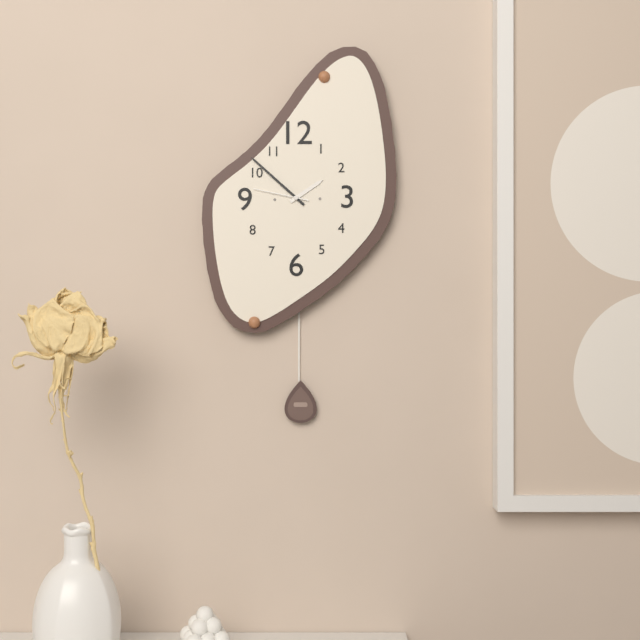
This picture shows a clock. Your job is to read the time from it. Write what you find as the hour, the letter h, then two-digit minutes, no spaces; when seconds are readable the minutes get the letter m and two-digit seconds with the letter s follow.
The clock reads 1h52m47s
